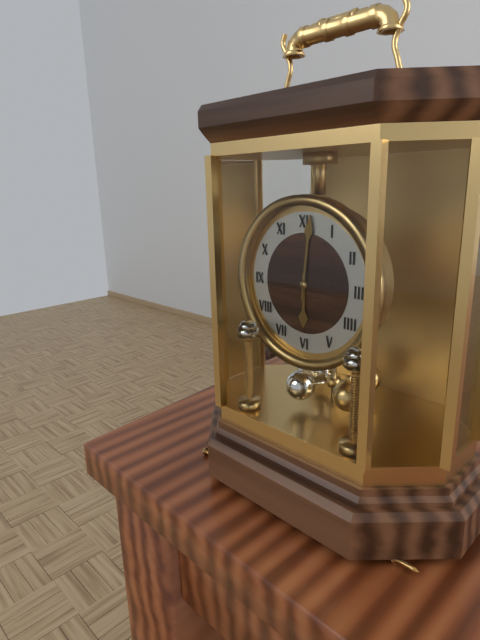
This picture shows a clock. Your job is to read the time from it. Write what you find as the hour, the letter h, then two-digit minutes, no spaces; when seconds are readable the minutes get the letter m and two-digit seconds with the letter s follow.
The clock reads 6h01
